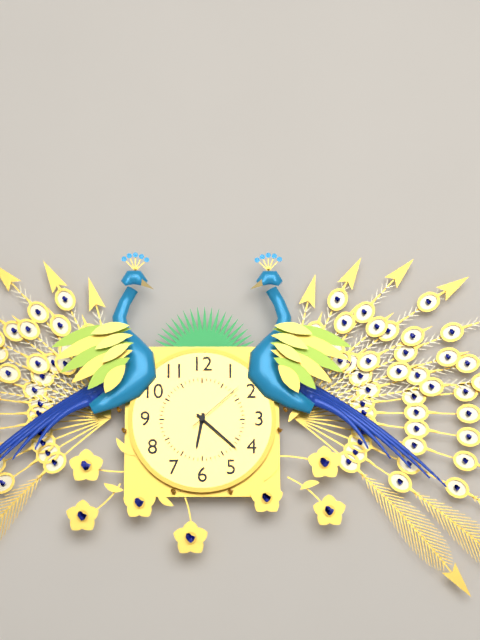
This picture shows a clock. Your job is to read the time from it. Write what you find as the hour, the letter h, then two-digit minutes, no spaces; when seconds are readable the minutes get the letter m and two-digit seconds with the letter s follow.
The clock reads 6h22m08s
